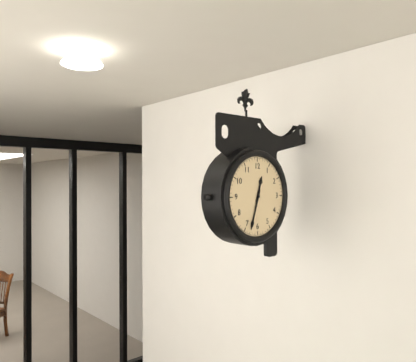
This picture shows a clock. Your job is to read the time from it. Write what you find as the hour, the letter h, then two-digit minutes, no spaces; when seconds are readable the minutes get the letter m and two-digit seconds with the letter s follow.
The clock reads 12h33
